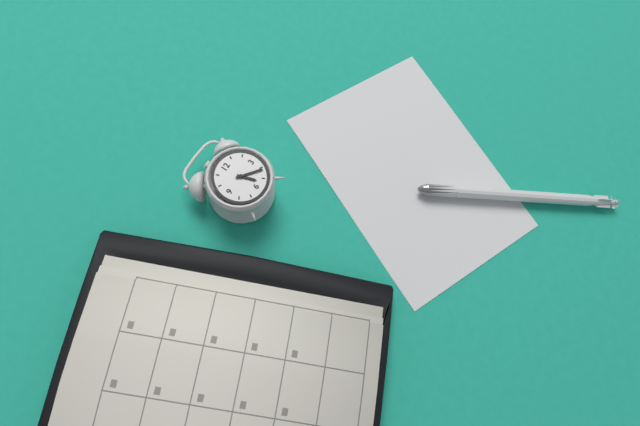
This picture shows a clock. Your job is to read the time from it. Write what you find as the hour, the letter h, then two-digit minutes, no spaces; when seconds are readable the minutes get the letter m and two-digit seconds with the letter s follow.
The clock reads 5h21
